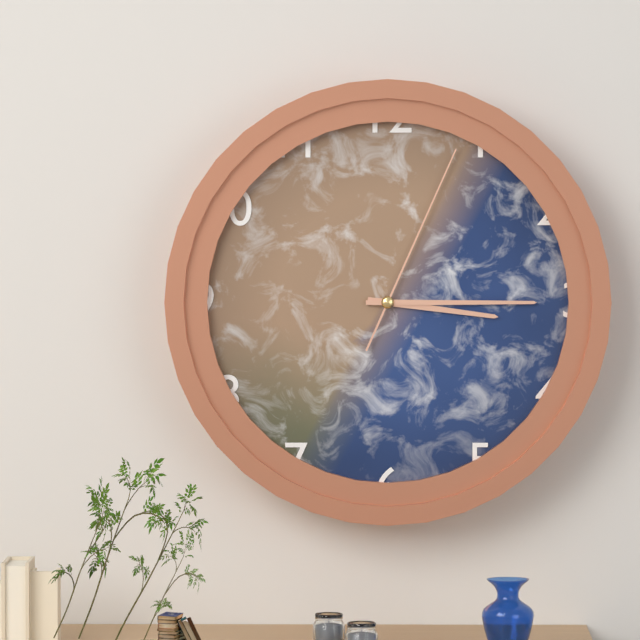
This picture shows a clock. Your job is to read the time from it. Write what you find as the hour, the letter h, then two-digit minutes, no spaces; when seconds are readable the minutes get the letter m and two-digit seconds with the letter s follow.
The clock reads 3h15m04s
